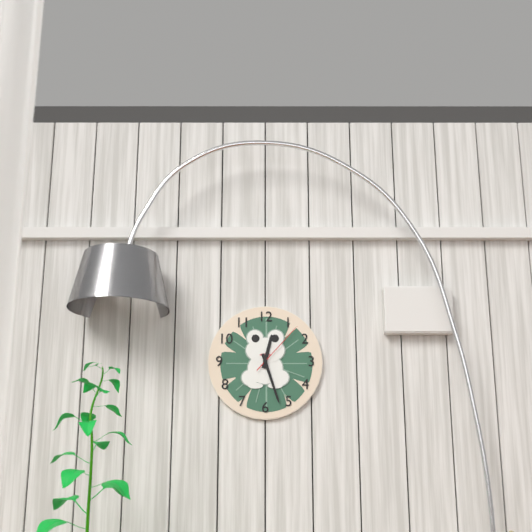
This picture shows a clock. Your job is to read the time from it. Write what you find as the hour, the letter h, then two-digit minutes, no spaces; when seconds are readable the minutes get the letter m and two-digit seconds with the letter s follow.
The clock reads 12h27m07s
